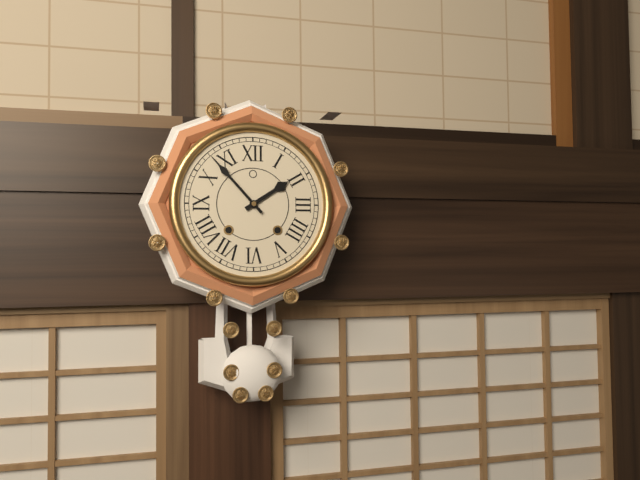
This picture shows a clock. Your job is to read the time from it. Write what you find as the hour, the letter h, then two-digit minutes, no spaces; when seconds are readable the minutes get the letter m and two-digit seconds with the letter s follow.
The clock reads 1h53
